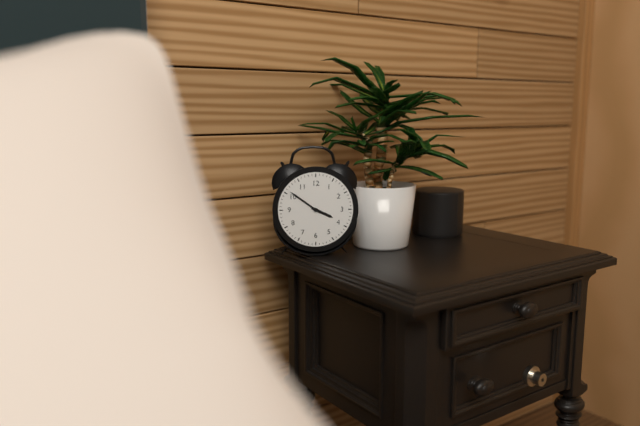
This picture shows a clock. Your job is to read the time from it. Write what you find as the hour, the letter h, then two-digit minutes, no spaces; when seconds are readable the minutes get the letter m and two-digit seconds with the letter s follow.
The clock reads 3h51
